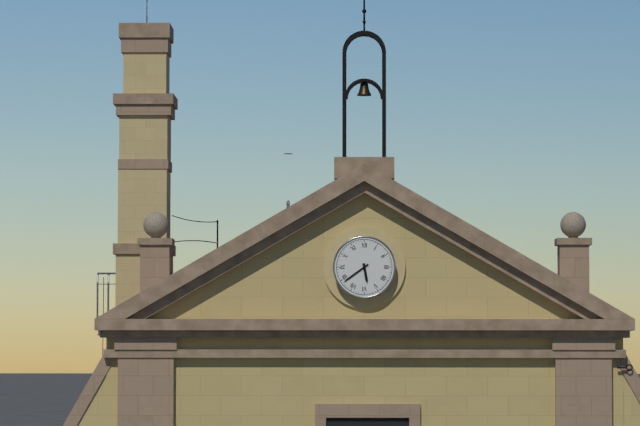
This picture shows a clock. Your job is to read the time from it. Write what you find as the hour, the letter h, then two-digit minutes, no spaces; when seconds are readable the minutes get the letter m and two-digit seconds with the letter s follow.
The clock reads 5h39
